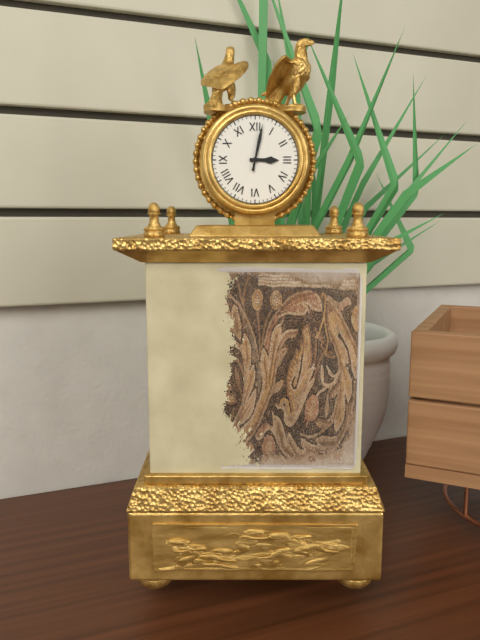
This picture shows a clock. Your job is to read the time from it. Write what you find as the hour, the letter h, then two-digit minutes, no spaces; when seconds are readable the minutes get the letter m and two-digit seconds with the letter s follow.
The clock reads 3h02
